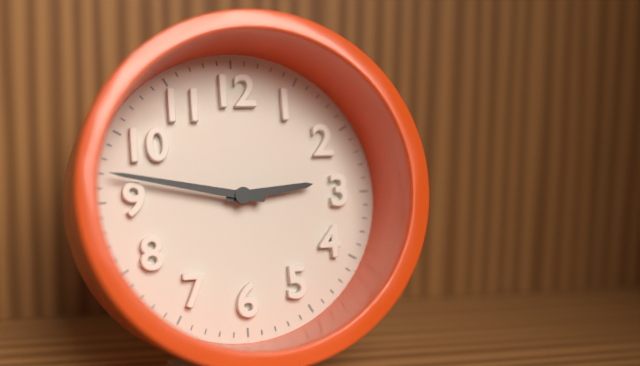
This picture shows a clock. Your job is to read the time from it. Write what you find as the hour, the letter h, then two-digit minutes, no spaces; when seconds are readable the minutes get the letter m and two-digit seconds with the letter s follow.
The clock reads 2h47
